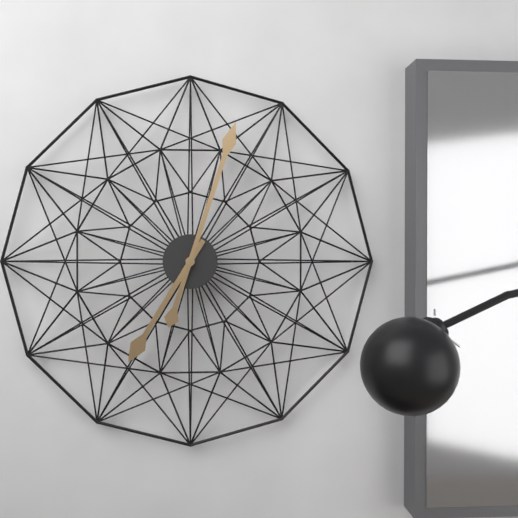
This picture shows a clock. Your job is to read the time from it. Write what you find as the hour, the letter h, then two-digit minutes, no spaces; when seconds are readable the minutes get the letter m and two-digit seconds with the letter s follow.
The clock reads 7h03
